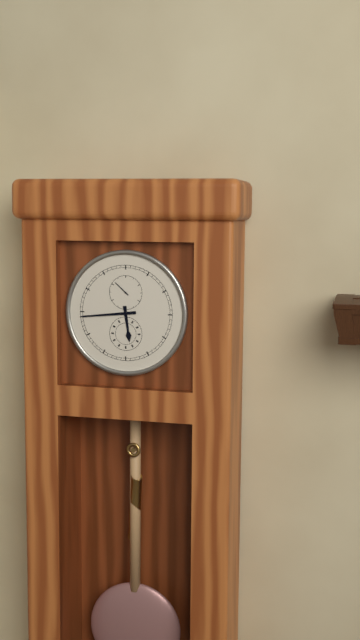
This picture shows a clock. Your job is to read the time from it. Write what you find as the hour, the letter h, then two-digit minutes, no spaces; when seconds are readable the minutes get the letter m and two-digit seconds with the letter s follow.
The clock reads 5h44
